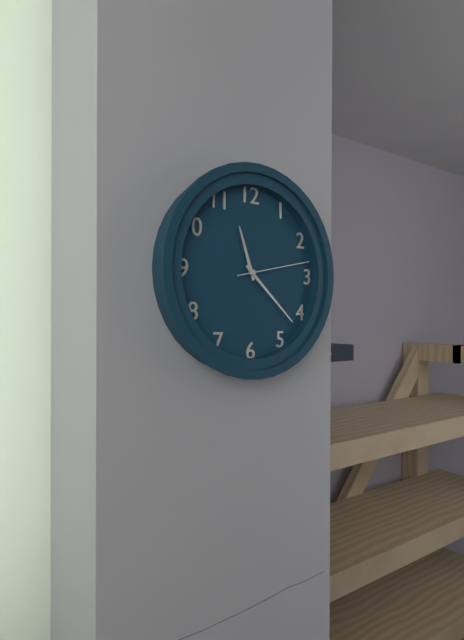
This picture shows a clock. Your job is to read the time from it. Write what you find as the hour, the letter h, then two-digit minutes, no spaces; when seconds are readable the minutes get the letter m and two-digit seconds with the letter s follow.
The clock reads 11h22m13s
